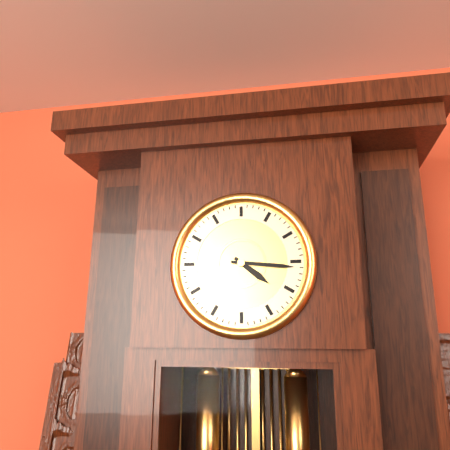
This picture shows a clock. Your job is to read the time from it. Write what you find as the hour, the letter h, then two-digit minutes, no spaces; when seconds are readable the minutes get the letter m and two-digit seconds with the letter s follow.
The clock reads 4h16
